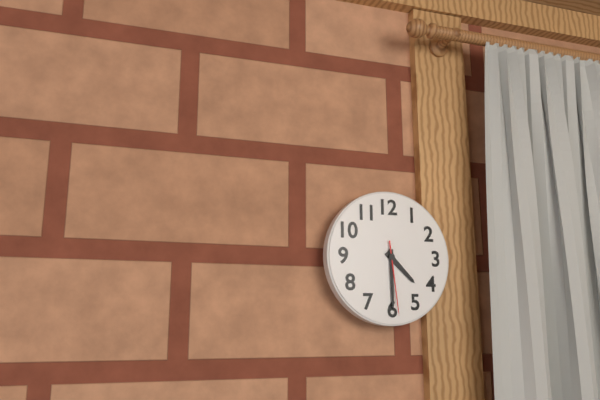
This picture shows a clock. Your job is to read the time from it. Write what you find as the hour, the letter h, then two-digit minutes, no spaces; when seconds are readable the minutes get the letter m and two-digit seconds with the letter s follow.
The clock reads 4h30m29s
